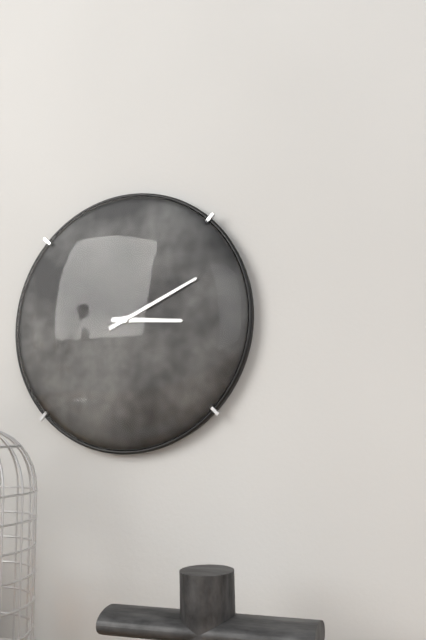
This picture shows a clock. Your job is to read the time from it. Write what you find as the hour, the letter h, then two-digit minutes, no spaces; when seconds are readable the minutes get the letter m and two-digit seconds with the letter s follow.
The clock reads 3h11
